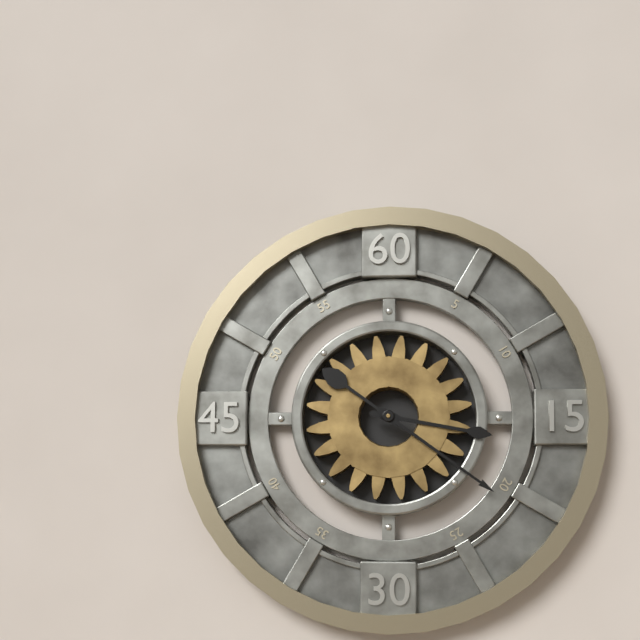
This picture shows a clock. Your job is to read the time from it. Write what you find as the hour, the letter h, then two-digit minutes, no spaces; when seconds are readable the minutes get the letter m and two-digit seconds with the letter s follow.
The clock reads 3h21
